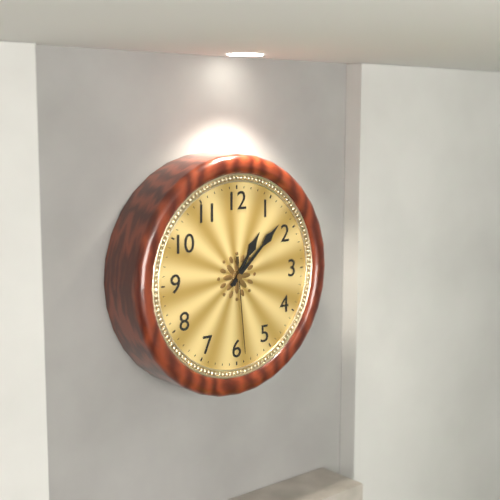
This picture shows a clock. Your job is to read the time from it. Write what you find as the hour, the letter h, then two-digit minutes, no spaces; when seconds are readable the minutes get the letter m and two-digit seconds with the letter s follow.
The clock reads 1h08m29s
